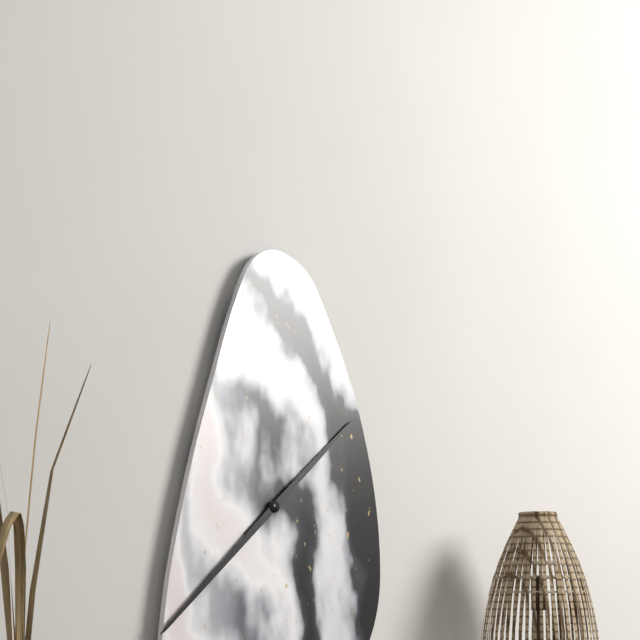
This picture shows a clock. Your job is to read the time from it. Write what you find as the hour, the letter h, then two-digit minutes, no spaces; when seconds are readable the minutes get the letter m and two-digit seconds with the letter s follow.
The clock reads 1h38
